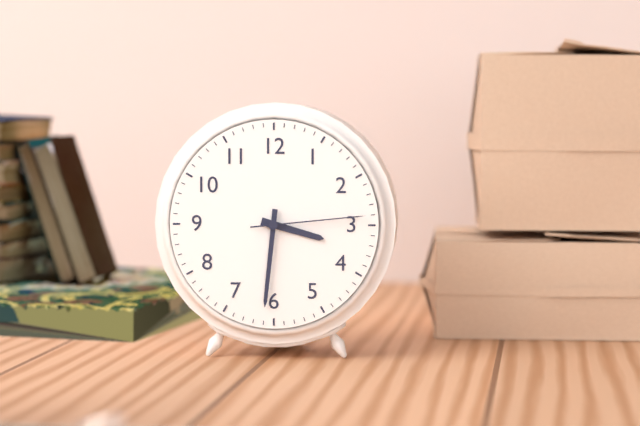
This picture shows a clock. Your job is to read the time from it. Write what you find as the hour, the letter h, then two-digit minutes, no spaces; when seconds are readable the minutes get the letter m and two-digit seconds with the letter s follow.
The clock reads 3h31m14s
